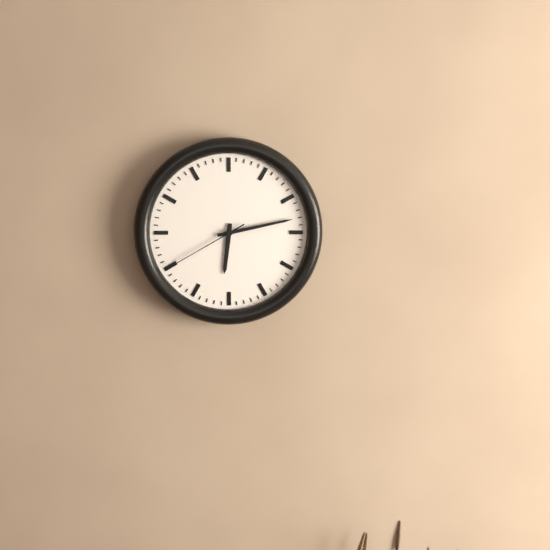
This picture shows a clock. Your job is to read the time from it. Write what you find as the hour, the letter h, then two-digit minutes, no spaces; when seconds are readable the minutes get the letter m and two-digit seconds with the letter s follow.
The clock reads 6h13m40s
